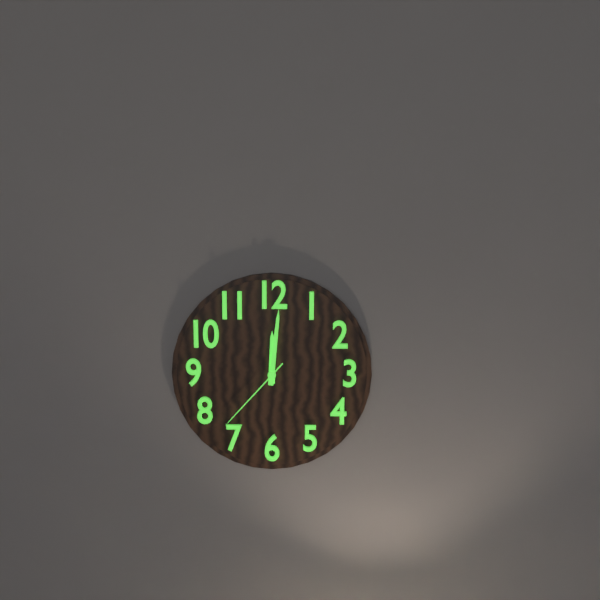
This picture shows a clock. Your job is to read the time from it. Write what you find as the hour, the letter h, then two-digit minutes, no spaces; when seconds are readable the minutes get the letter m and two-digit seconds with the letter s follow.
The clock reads 12h01m37s
